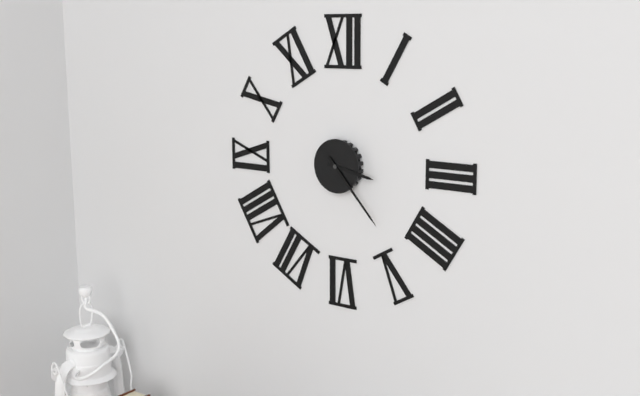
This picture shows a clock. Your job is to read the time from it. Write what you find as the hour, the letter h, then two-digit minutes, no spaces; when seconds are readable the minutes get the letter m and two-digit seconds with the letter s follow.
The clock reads 3h23
